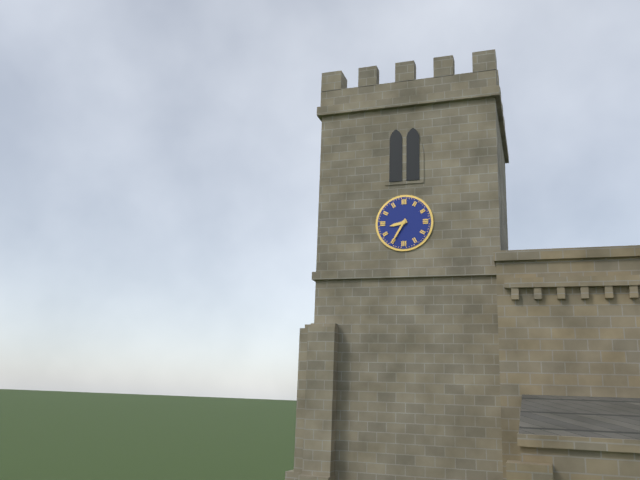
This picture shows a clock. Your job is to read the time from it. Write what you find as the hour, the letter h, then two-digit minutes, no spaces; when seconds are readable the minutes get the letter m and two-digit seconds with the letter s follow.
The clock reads 8h35
